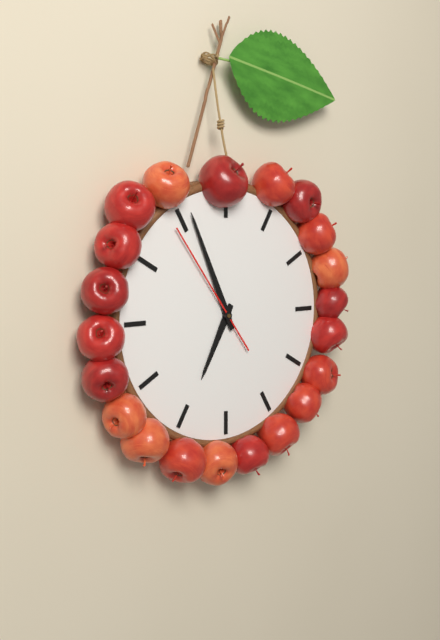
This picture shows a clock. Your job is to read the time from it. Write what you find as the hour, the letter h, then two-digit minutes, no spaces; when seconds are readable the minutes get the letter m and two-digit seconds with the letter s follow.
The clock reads 6h56m54s
